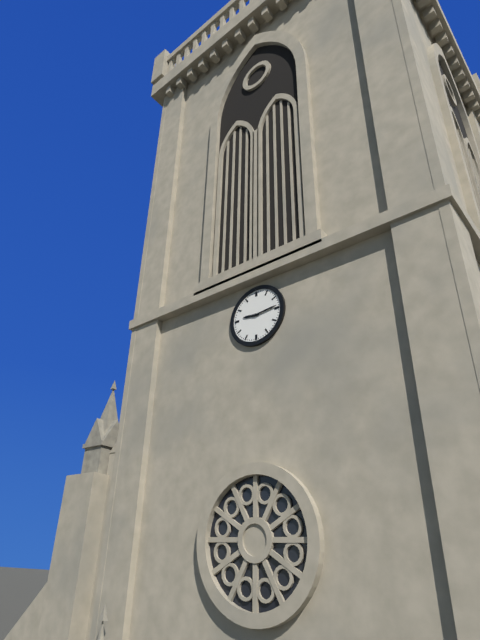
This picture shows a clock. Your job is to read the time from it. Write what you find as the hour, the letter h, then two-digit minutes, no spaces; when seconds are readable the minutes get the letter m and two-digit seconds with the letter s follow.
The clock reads 9h14
